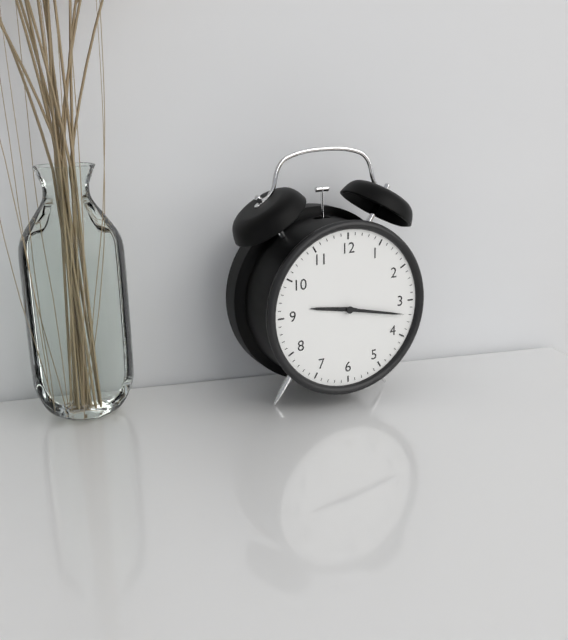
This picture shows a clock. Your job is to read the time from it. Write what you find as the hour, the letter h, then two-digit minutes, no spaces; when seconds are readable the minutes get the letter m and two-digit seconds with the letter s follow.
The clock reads 9h17
